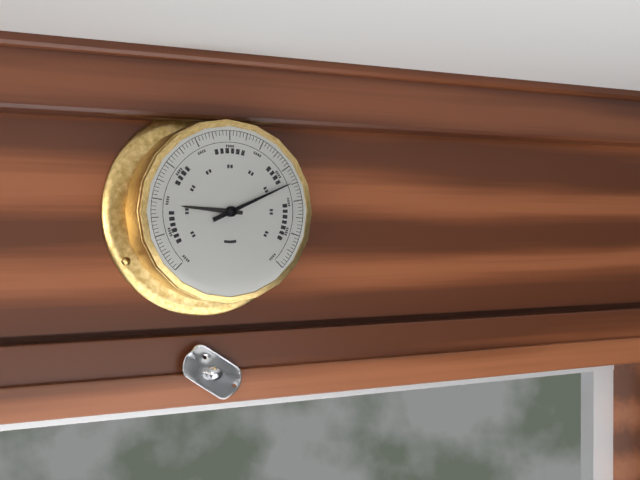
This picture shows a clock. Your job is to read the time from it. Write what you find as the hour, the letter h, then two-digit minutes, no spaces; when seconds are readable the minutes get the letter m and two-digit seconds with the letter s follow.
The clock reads 9h11
